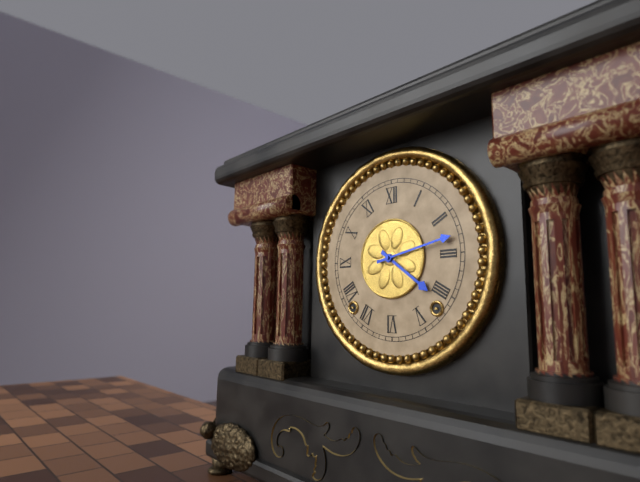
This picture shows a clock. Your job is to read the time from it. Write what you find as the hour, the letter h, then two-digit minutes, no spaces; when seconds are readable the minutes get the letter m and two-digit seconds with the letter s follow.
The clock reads 4h13
